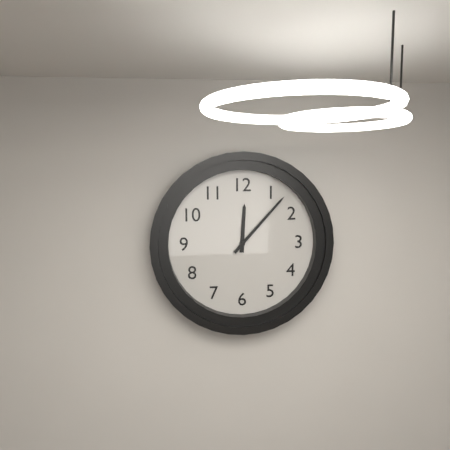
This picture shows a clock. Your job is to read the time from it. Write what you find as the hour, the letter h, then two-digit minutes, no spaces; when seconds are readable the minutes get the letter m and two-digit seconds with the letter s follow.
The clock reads 12h07
